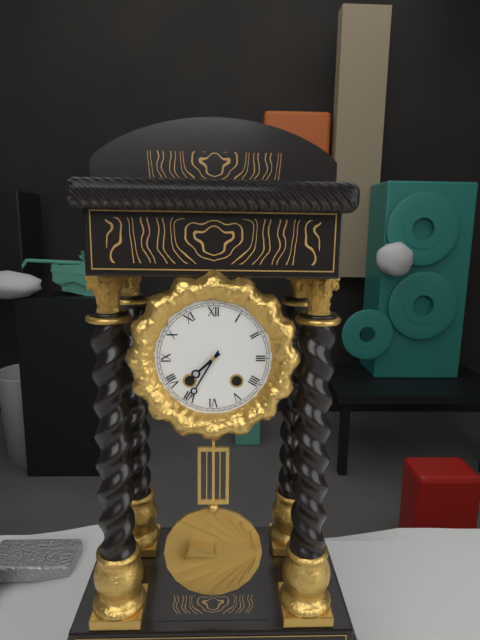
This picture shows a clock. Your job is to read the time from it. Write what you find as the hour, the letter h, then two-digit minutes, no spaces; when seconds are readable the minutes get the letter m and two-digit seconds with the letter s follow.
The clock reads 7h35
